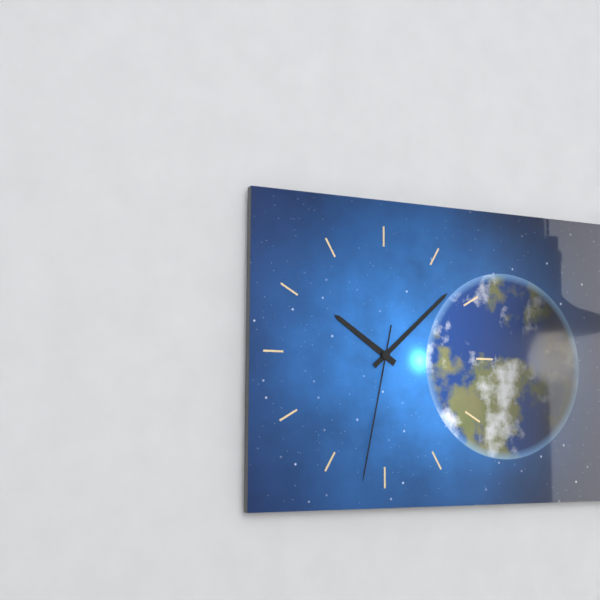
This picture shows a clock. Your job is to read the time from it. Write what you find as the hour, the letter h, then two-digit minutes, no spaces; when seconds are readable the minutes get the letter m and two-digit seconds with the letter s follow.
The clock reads 10h08m32s
